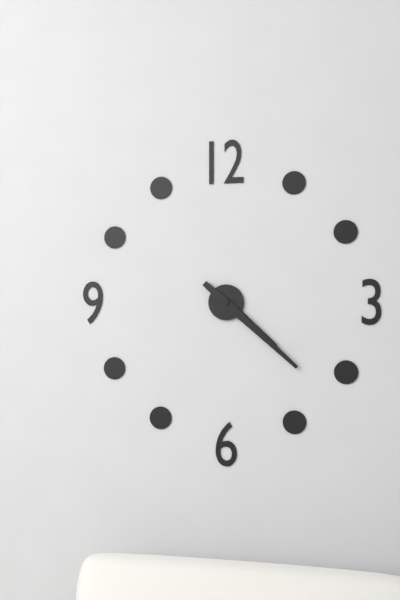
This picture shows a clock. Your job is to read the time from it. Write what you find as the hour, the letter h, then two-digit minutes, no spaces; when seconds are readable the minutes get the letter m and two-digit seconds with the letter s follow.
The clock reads 4h22
